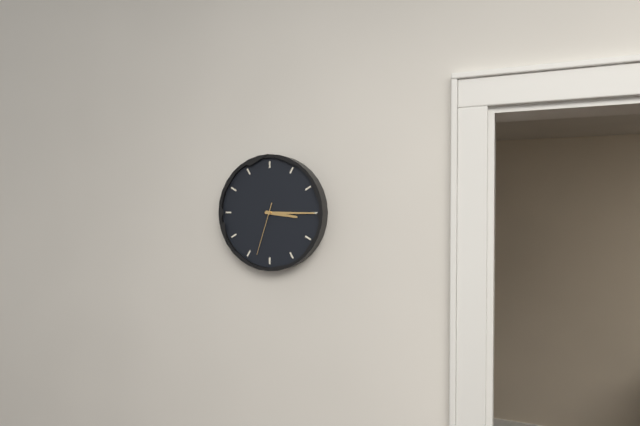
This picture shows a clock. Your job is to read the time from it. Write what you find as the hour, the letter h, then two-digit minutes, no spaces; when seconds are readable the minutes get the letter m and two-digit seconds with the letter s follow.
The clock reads 3h15m33s
